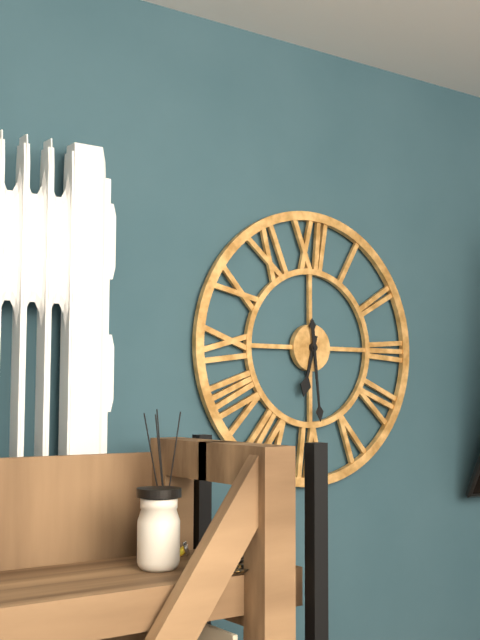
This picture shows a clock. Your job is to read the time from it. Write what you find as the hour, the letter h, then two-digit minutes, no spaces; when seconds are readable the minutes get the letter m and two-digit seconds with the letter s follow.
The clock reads 6h29
